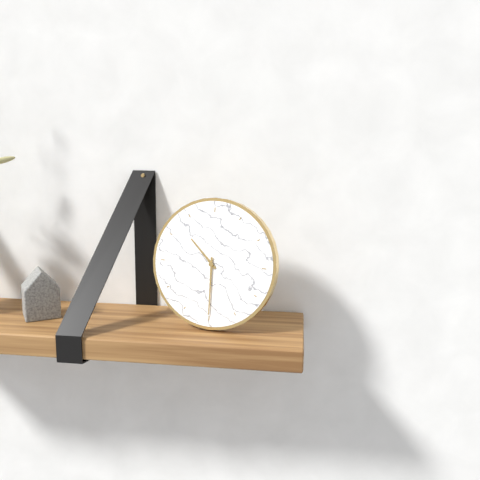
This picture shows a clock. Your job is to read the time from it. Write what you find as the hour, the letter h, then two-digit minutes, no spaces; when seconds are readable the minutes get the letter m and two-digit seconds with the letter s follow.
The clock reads 10h30
